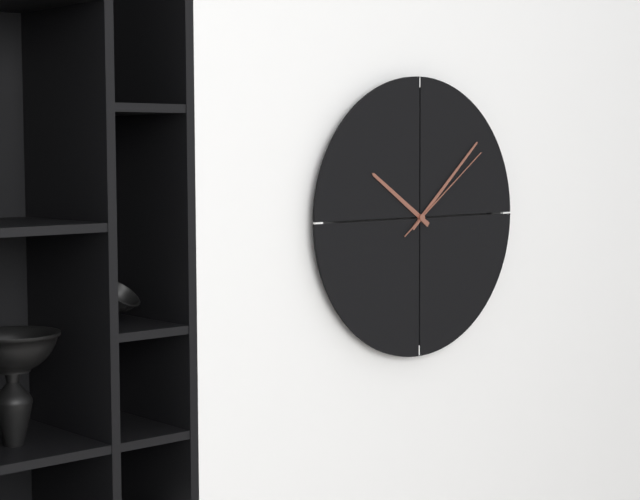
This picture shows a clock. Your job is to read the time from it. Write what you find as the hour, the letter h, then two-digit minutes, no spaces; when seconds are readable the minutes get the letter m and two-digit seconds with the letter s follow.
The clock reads 10h08m09s
